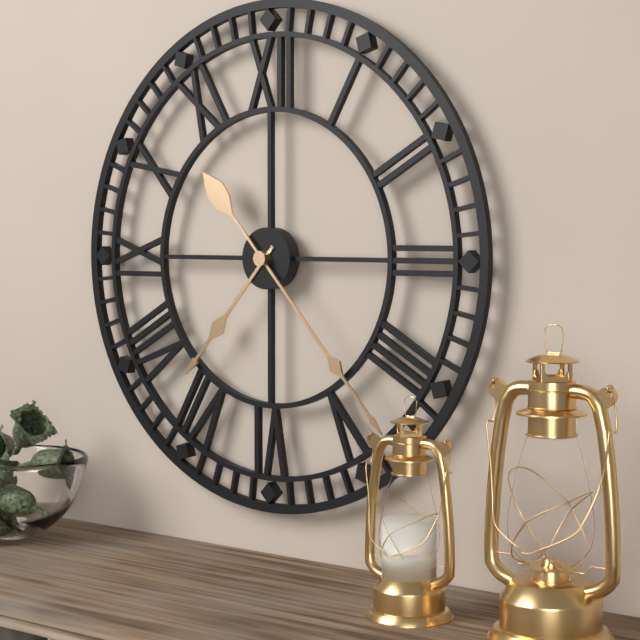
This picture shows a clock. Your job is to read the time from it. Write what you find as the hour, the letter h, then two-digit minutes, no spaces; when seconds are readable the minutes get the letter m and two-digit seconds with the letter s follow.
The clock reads 7h23
